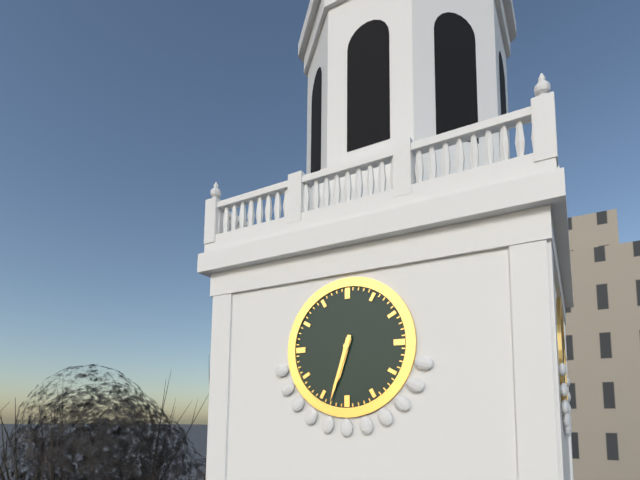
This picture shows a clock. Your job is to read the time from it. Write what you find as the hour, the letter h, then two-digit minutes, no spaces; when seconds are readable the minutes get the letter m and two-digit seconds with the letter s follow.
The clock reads 6h33
